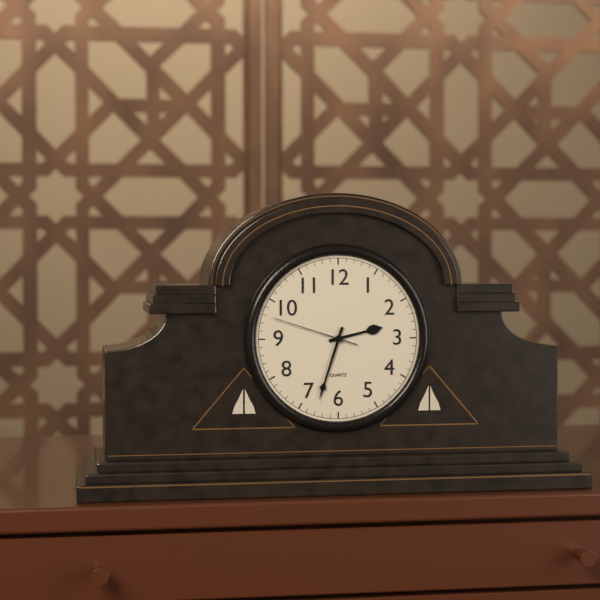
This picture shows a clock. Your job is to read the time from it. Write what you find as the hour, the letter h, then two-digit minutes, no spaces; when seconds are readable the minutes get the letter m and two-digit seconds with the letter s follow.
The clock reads 2h33m48s
